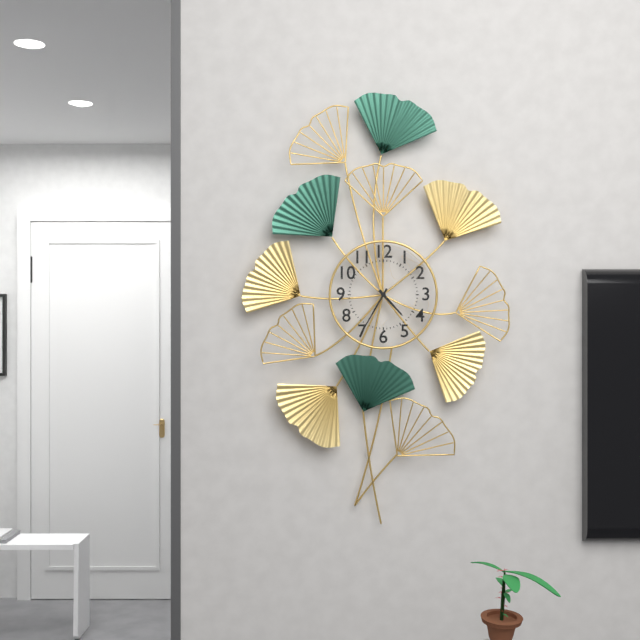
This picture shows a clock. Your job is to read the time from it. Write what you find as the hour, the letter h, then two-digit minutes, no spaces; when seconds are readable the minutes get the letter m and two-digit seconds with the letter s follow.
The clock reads 4h35
